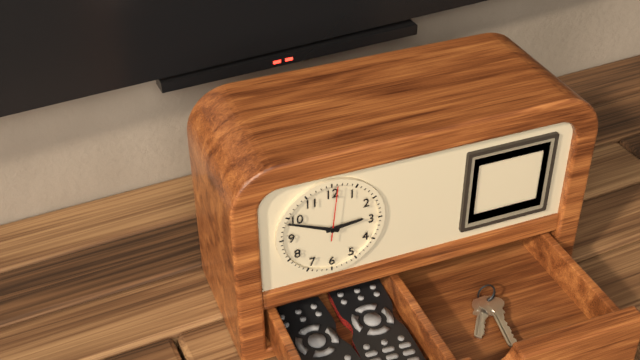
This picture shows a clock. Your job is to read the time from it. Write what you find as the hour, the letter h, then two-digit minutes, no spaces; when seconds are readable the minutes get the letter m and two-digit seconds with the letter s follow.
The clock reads 2h49m01s
